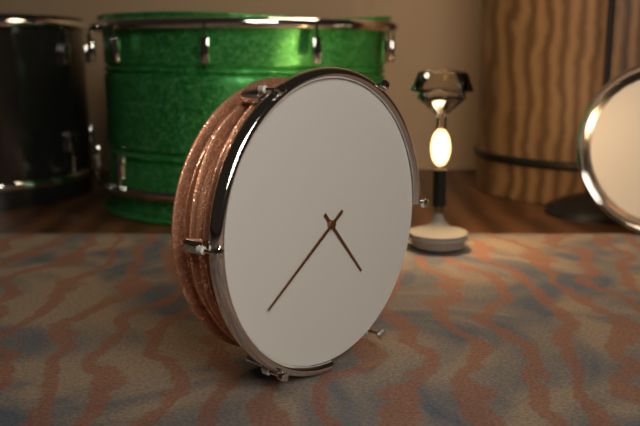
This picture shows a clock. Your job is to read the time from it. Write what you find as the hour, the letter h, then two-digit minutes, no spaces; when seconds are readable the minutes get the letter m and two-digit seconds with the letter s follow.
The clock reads 4h39
